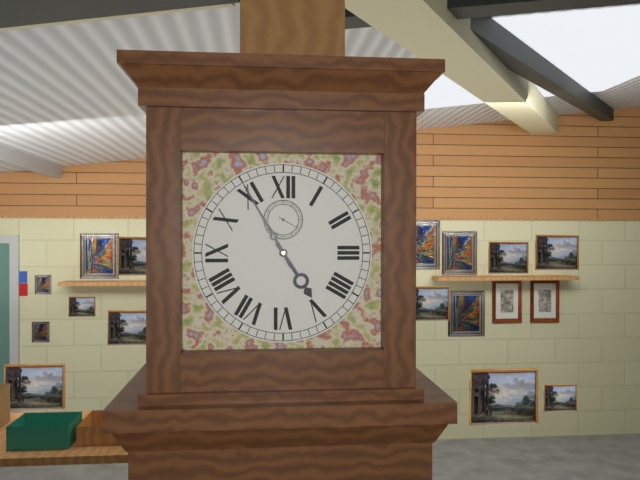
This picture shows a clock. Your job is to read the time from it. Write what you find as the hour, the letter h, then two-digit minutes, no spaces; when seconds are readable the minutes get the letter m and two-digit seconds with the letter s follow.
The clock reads 4h55
